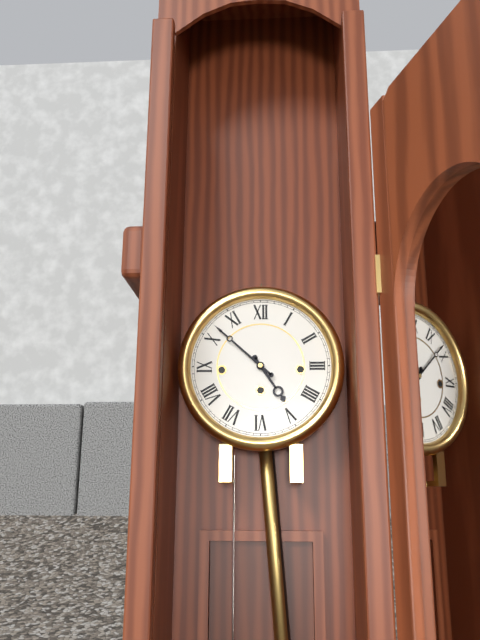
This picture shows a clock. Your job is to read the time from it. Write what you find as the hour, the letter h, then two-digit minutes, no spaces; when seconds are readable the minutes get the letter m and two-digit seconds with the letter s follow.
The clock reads 4h52
